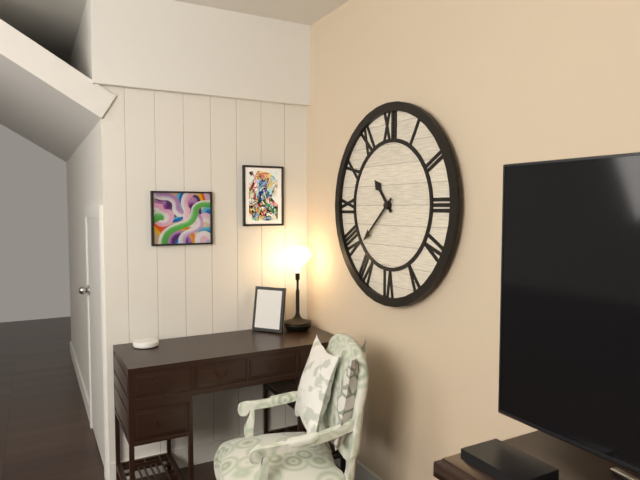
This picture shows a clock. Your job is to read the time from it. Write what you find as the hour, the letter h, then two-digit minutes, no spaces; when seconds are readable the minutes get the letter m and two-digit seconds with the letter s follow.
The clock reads 10h38
